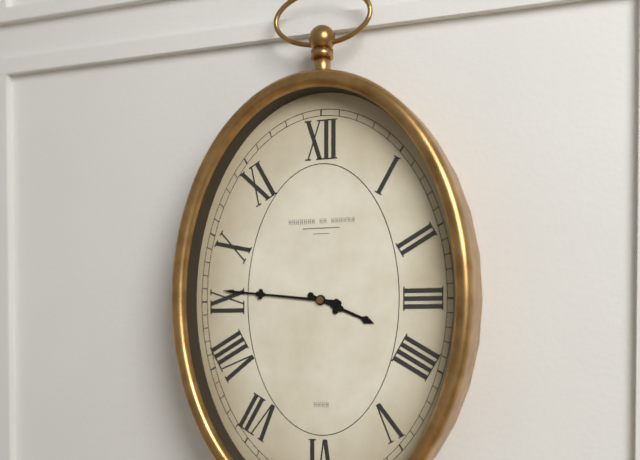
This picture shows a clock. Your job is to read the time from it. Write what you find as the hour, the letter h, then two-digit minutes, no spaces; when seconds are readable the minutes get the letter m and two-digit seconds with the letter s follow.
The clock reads 3h46
